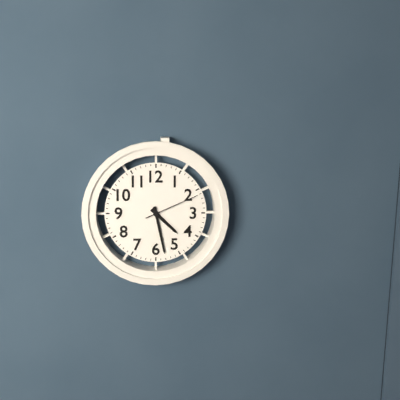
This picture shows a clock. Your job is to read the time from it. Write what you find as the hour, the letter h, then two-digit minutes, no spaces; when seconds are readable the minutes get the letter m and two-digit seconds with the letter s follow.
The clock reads 4h28m11s
